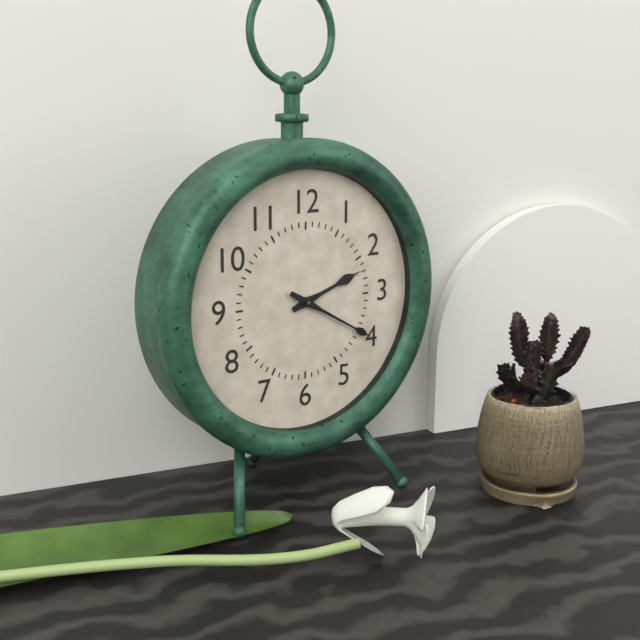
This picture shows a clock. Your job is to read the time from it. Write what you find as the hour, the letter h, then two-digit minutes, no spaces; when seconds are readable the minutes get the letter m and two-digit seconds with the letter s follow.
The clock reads 2h20
